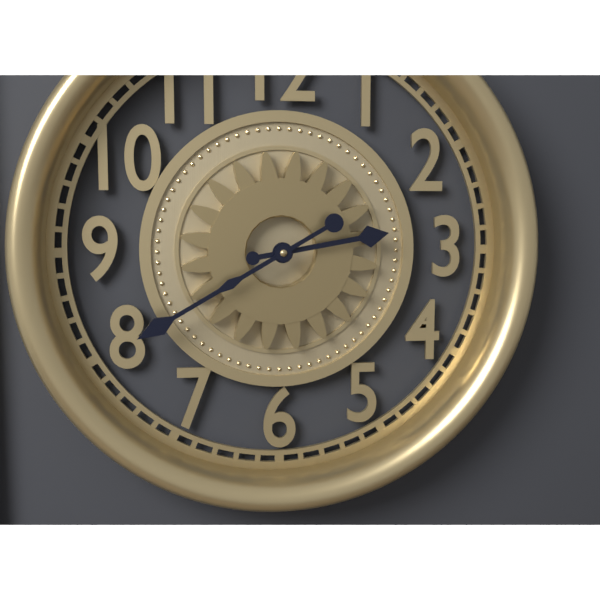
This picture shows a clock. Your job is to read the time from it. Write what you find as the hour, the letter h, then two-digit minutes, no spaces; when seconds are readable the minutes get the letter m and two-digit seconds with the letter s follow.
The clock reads 2h40
